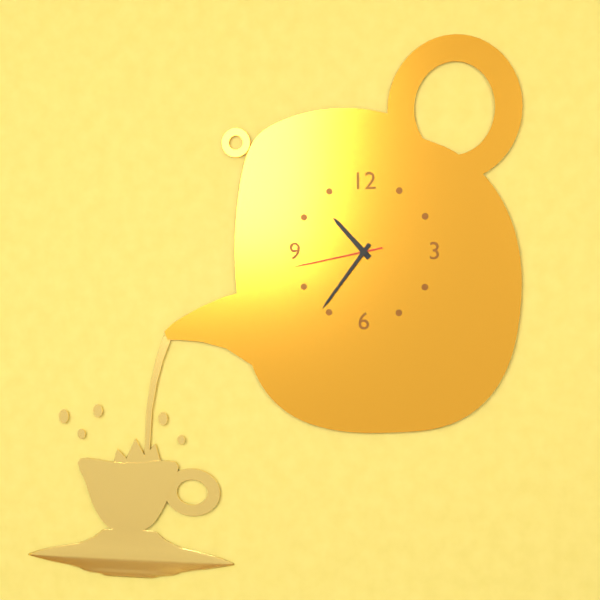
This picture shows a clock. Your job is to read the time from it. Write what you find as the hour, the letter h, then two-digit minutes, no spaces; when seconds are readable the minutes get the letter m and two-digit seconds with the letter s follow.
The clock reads 10h36m43s
